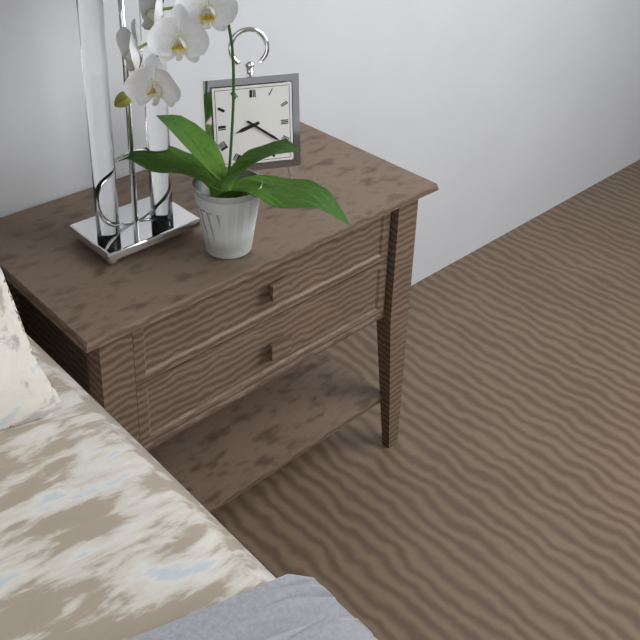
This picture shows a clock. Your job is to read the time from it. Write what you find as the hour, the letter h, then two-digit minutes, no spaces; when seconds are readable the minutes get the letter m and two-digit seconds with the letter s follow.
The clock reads 8h21
